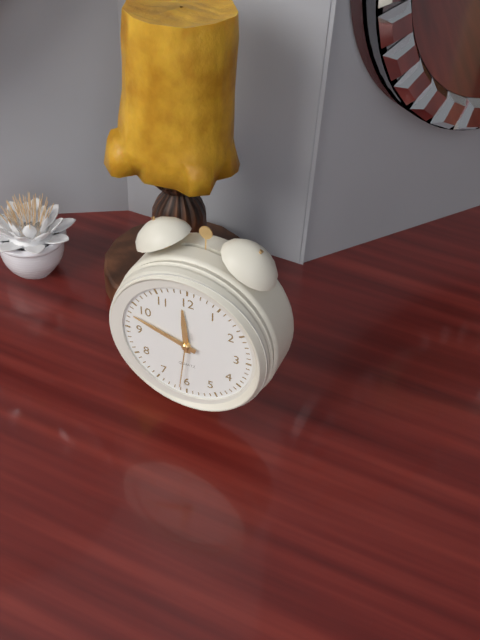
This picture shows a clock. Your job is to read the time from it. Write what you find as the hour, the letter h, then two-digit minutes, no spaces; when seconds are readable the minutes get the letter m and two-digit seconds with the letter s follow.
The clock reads 11h48m31s
